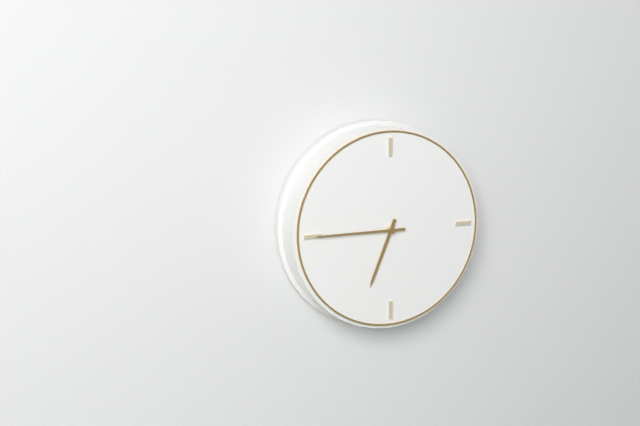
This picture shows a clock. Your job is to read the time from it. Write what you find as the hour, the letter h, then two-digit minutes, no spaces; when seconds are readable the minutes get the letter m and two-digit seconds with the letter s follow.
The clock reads 6h45
